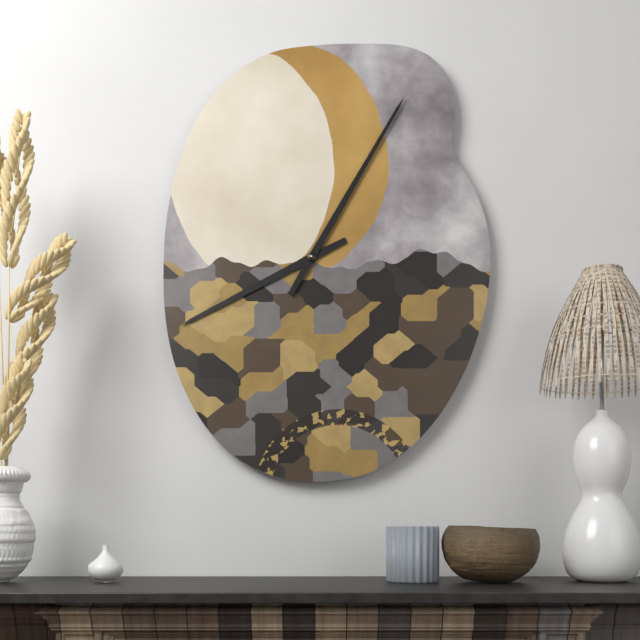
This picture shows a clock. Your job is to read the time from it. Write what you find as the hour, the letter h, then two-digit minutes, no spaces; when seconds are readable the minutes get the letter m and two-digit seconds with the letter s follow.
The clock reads 8h05
